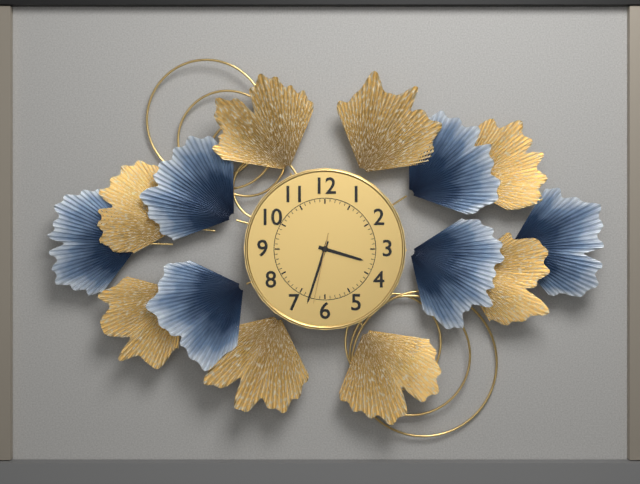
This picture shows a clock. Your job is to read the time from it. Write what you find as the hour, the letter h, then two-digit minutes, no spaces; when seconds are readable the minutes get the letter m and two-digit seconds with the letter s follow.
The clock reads 3h33m32s
